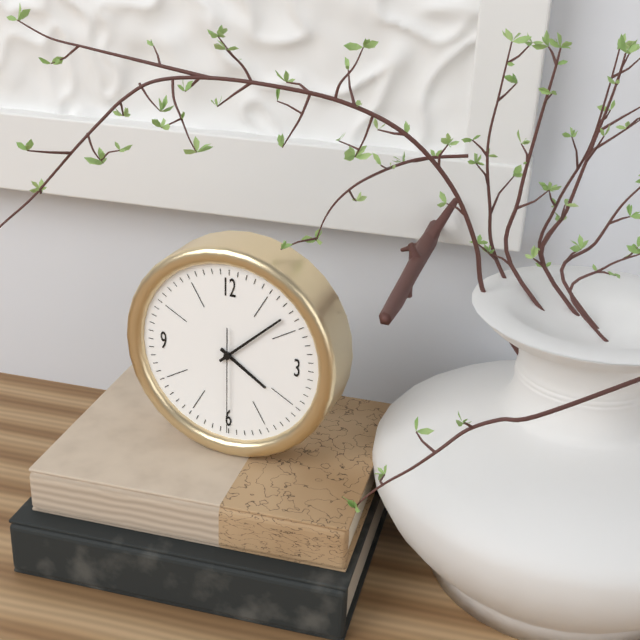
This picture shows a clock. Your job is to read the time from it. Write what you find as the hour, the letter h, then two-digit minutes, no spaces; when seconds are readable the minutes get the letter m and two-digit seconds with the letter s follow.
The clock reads 4h08m30s
